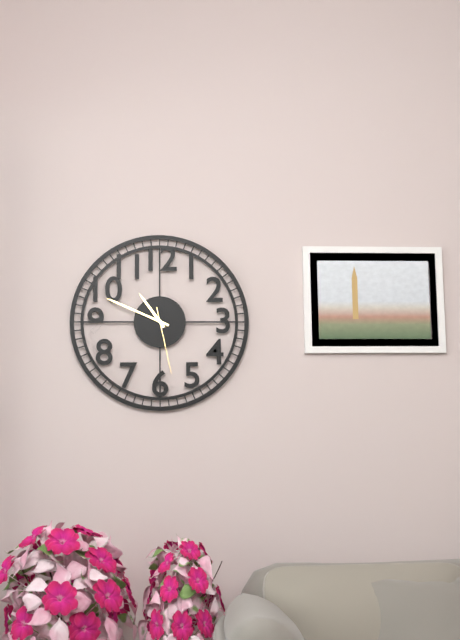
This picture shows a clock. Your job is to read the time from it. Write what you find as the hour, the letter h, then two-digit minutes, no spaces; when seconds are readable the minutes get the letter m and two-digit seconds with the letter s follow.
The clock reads 10h49m28s
